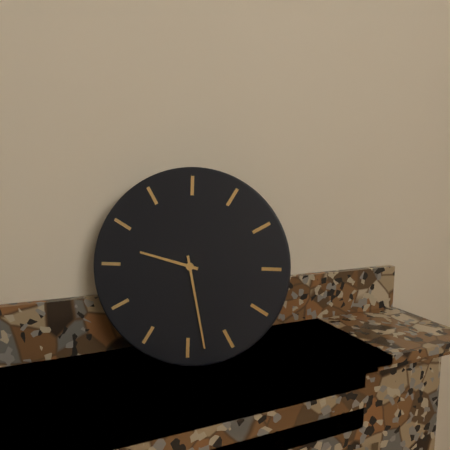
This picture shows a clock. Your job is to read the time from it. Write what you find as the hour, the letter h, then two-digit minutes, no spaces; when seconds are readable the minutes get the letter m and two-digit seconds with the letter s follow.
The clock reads 9h28
